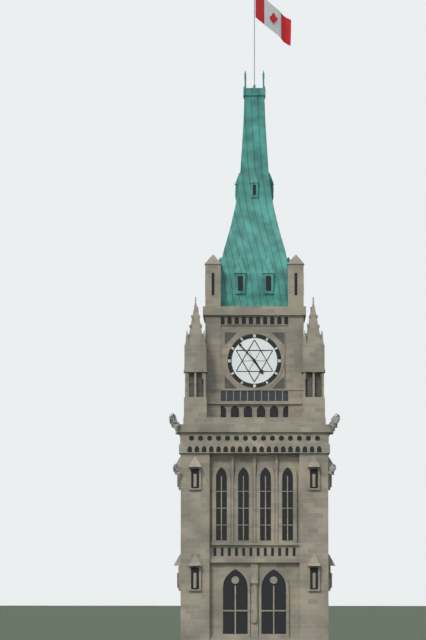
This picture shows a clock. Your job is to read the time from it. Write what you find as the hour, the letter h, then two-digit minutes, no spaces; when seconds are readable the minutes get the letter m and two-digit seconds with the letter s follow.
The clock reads 4h53
